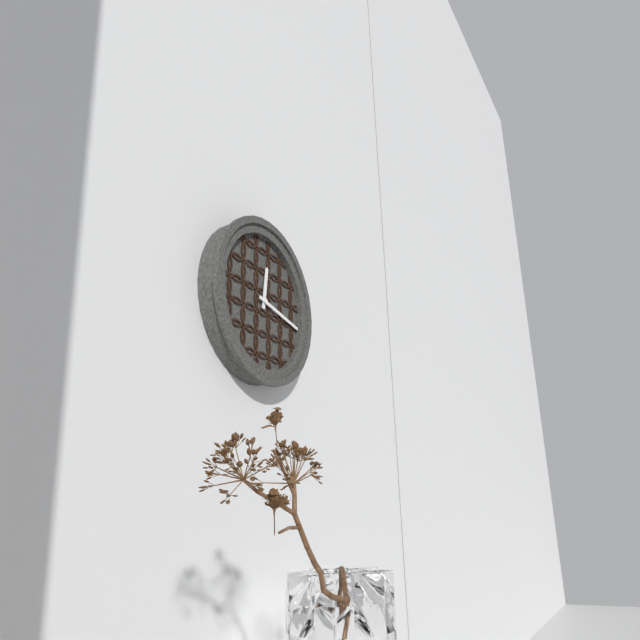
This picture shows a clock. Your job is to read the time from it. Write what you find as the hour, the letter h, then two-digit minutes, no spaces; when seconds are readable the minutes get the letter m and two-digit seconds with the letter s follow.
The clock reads 12h17
